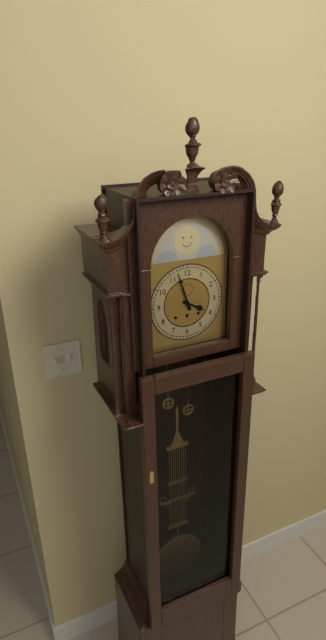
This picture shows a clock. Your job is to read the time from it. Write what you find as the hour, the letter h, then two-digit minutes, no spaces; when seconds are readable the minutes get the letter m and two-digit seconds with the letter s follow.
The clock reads 3h57
